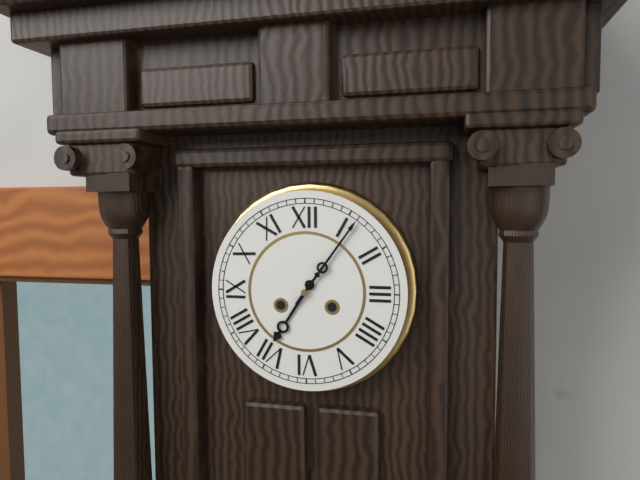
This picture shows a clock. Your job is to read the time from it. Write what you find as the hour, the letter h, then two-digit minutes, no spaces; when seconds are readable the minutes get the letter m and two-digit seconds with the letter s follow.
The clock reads 7h06
